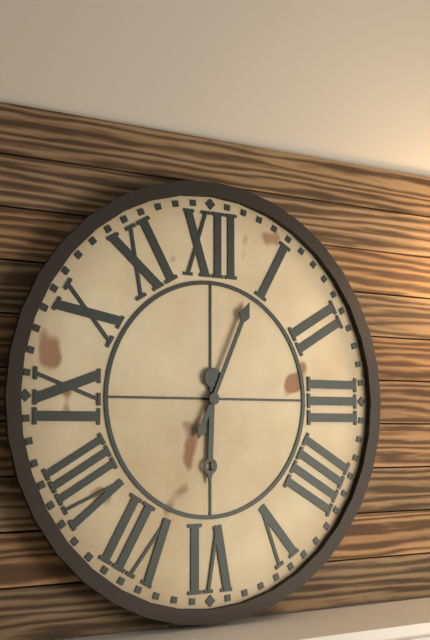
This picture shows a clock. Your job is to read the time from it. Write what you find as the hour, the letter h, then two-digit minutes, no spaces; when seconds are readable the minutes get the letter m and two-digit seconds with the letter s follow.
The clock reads 6h04
